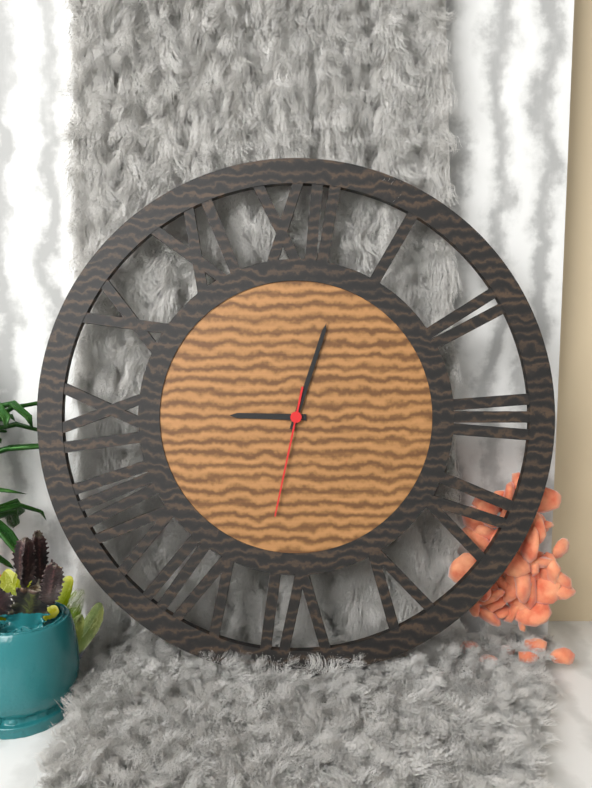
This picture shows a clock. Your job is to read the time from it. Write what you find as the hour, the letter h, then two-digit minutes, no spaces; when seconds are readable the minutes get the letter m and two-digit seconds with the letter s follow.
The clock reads 9h03m32s
